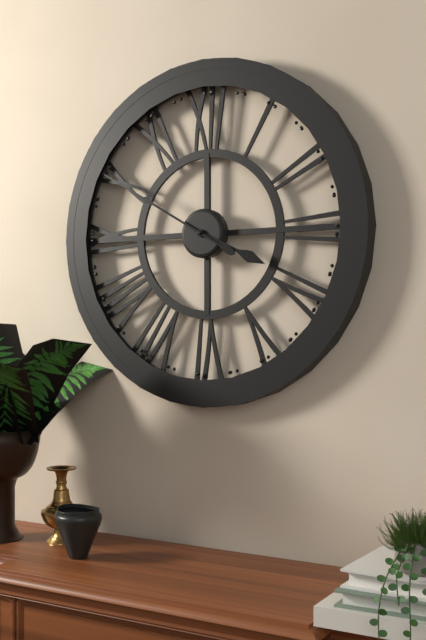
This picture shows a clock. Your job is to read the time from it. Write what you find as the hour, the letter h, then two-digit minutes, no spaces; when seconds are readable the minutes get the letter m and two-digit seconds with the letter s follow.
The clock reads 3h50
